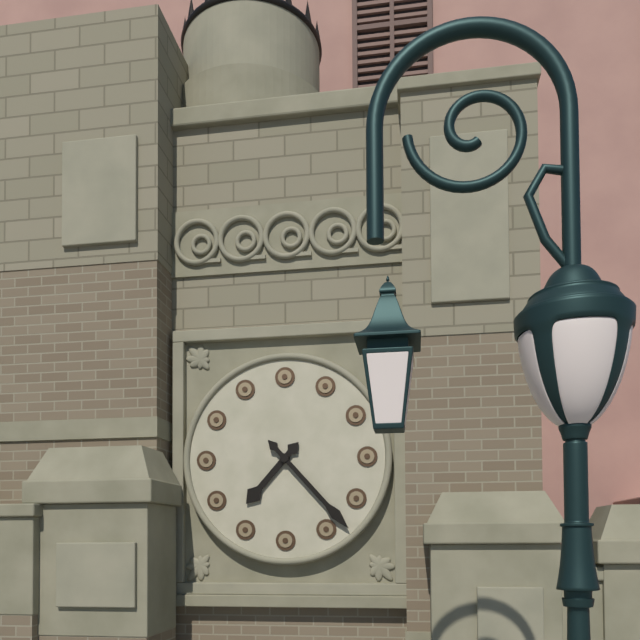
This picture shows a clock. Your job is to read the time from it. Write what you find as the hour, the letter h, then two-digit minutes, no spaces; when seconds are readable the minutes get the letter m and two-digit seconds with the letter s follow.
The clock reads 7h23
